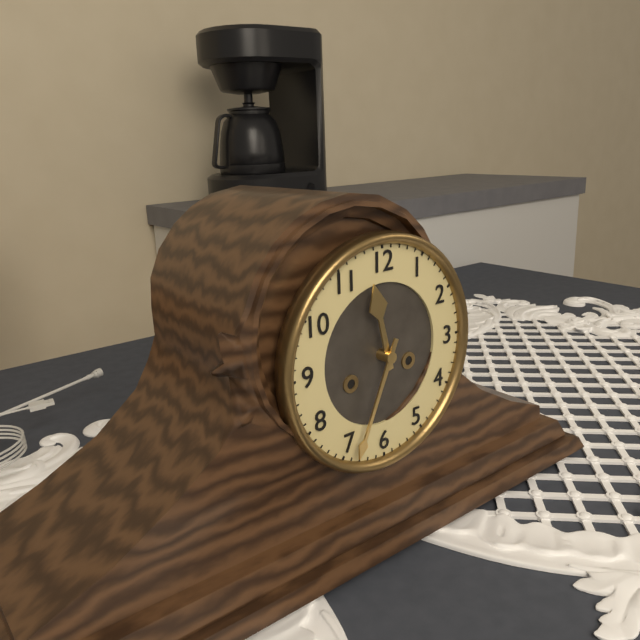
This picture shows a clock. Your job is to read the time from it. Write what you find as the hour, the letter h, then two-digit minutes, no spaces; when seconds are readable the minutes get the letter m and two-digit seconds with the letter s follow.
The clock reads 11h34
